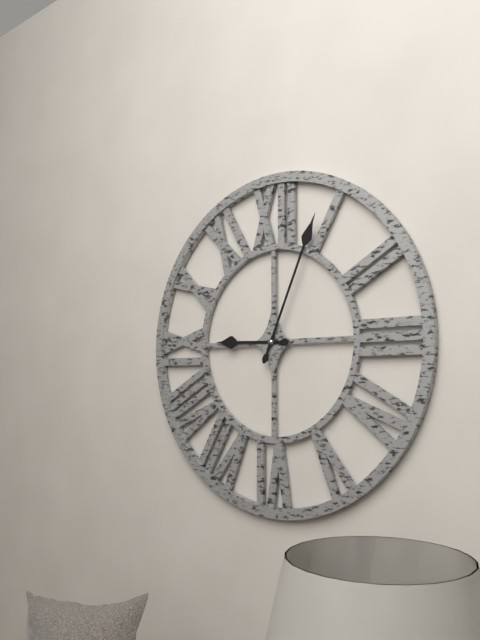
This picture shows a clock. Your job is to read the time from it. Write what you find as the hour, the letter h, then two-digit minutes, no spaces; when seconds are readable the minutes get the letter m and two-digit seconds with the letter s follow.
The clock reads 9h04
